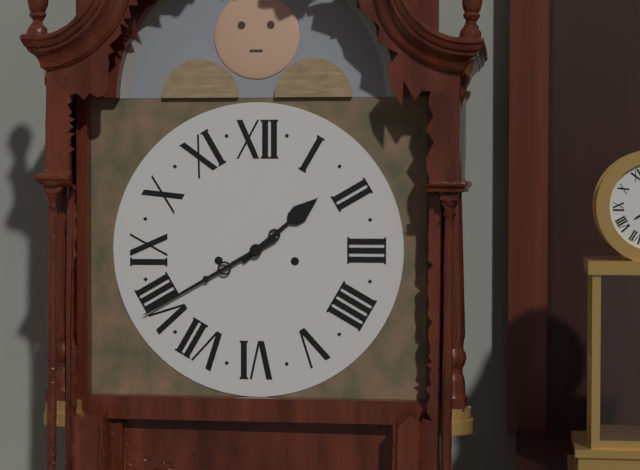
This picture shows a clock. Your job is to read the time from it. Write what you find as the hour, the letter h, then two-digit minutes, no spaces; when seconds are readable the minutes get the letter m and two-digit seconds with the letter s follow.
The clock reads 1h40
